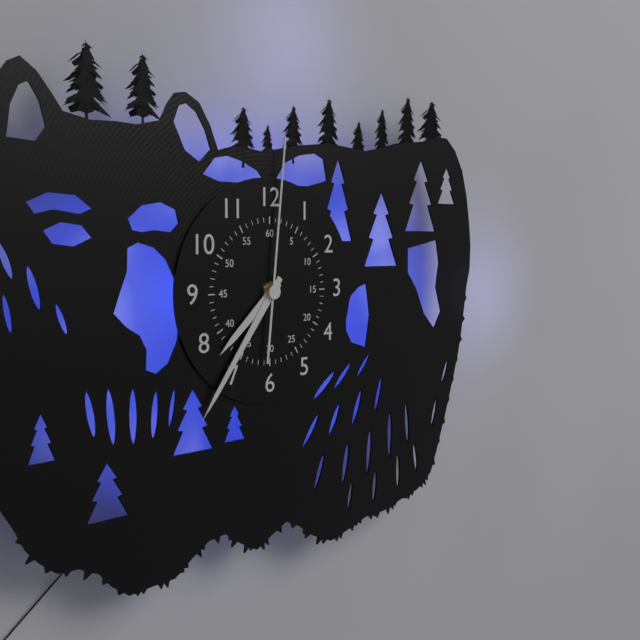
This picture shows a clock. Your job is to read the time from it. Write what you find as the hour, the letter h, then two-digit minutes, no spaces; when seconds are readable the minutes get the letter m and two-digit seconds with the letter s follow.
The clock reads 7h36m01s
